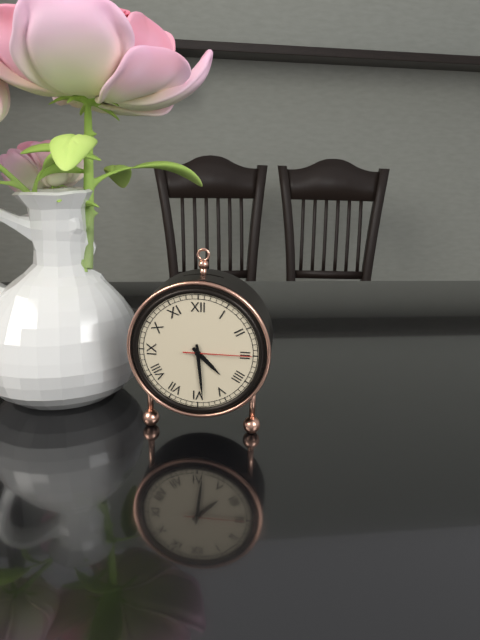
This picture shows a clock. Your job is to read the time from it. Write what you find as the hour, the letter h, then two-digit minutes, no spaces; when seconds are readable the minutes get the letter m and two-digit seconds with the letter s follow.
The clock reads 4h29m15s
